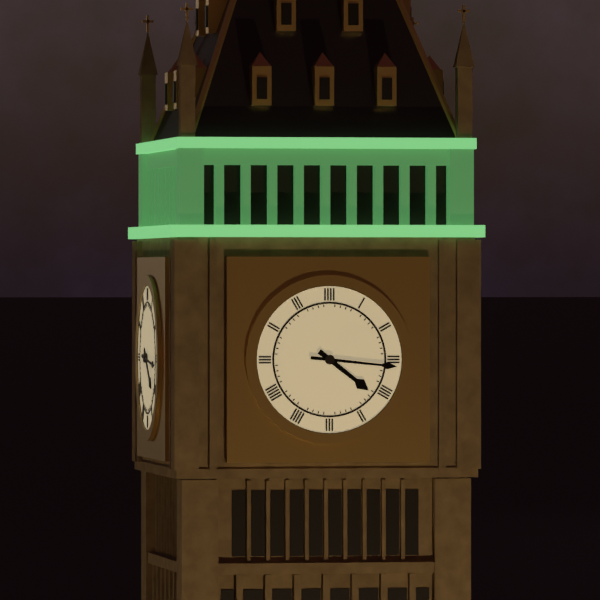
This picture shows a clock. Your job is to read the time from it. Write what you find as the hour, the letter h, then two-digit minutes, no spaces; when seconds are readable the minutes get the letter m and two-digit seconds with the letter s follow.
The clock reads 4h16
